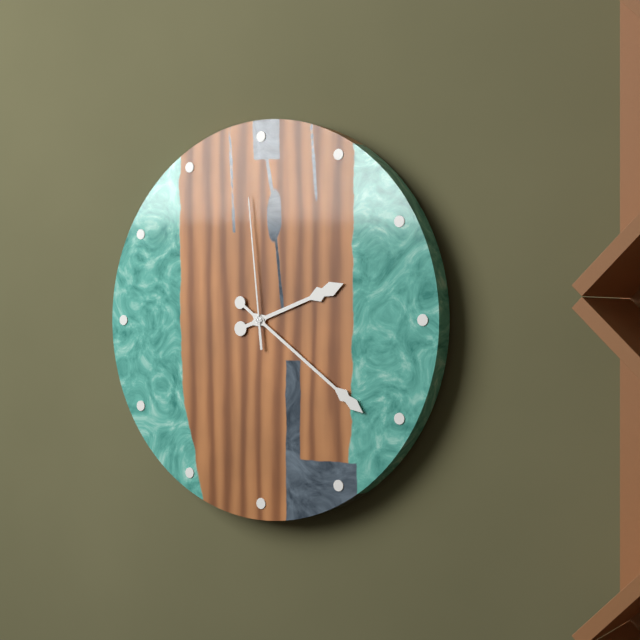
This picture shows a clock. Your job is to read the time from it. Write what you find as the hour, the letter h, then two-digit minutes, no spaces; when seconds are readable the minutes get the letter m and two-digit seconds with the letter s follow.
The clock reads 2h21m59s
